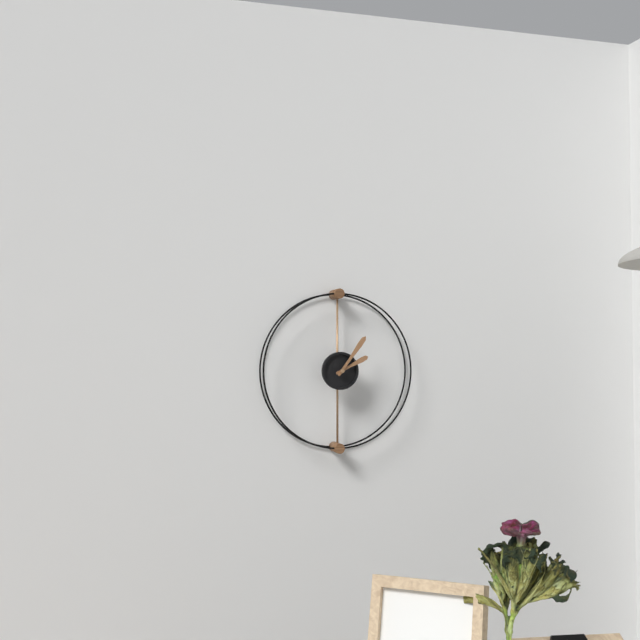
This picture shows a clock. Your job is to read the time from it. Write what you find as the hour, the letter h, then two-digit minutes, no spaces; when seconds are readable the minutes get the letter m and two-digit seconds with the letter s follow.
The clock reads 2h06
